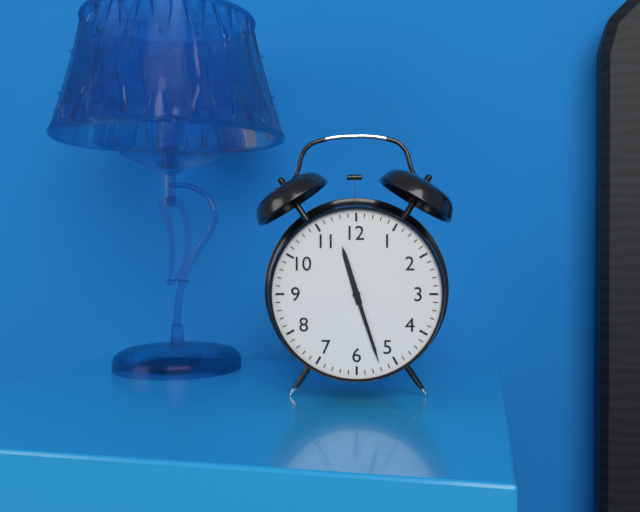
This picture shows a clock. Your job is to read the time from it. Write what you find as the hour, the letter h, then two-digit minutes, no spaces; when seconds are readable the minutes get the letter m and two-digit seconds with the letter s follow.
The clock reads 11h27
